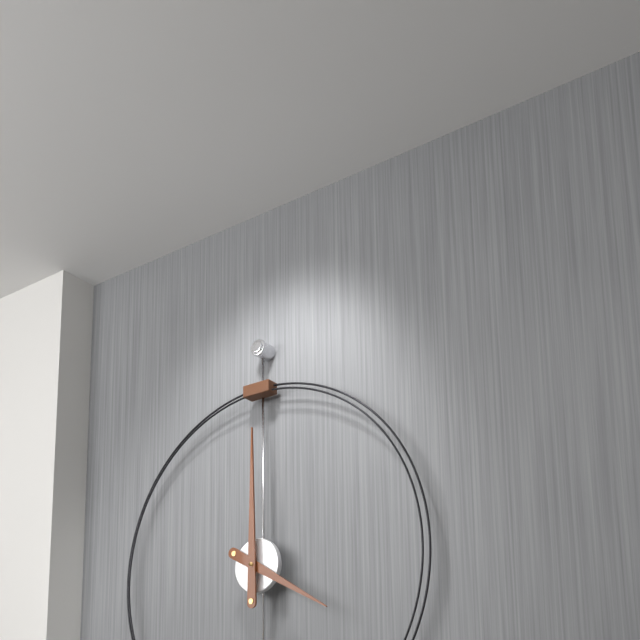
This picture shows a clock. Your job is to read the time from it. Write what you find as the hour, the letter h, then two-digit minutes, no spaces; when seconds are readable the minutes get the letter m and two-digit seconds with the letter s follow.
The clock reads 4h00
